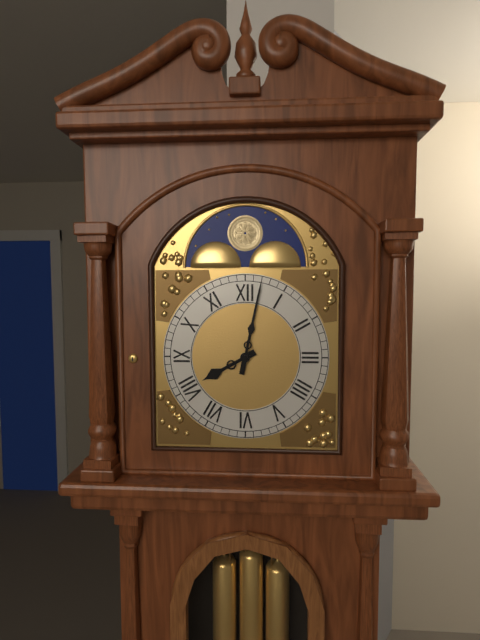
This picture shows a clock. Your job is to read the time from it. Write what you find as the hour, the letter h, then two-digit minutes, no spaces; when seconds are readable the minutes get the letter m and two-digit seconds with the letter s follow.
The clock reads 8h02
